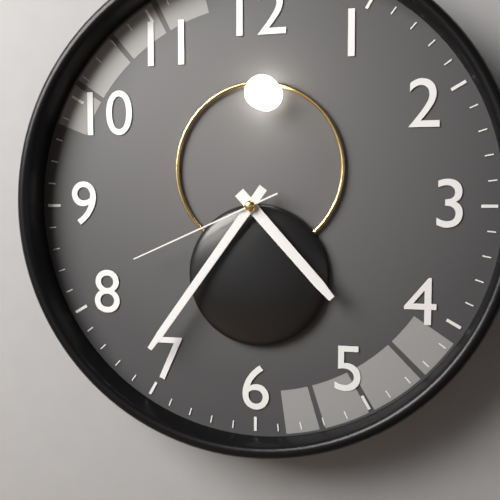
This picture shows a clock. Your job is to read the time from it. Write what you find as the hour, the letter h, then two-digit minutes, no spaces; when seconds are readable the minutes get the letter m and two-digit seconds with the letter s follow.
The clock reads 4h36m41s
